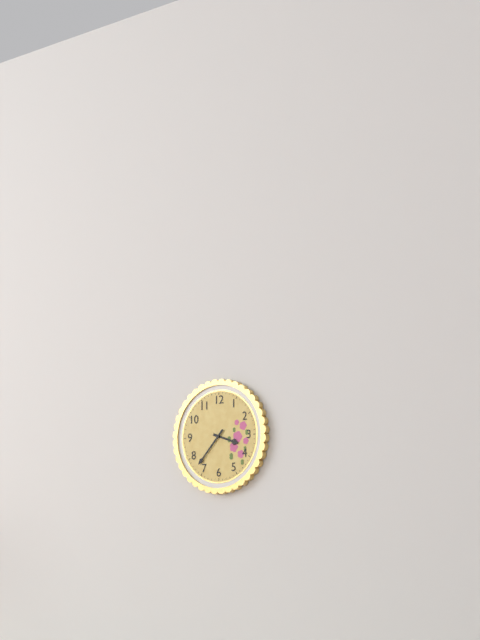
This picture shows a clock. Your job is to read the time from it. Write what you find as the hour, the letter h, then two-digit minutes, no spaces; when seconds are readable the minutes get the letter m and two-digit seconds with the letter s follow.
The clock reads 3h37
